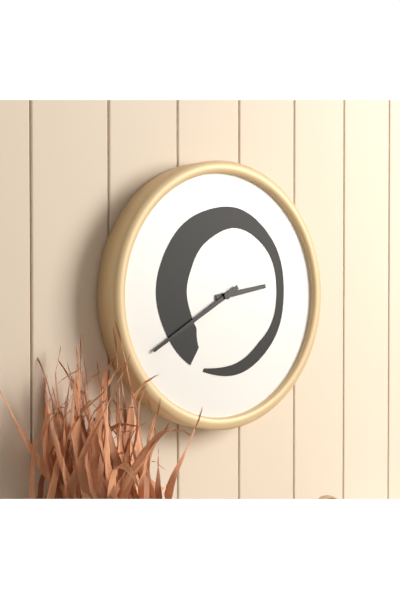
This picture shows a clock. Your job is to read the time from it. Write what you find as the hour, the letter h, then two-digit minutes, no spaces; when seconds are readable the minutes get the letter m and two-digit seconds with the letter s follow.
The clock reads 2h40
